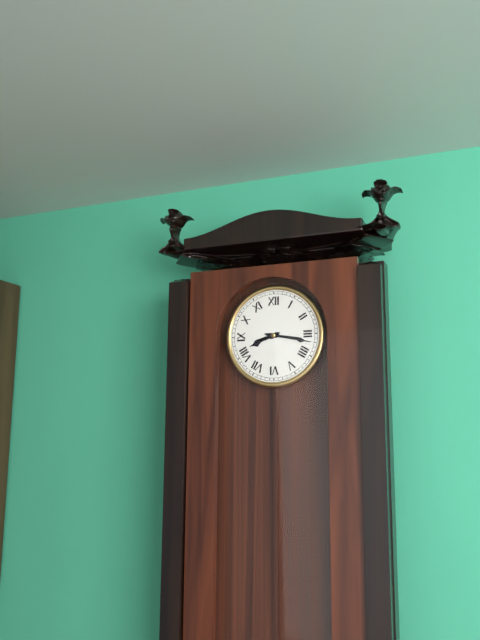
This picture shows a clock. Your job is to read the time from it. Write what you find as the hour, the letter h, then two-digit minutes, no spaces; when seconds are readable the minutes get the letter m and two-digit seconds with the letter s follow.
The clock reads 8h17
